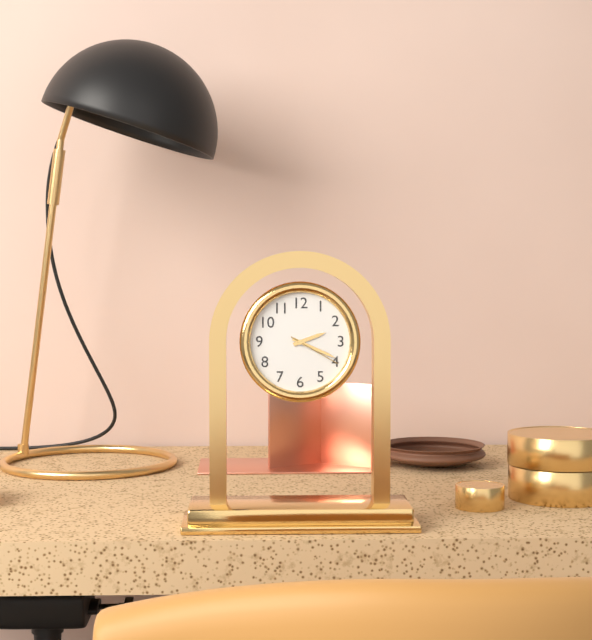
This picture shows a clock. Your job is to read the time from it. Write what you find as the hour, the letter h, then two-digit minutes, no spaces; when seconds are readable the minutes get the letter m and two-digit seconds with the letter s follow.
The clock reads 2h19m20s
